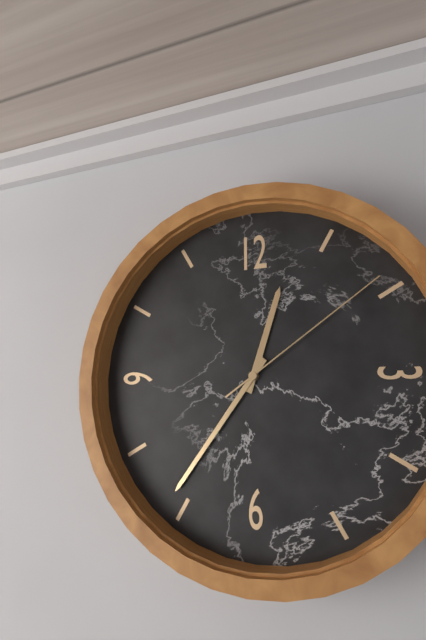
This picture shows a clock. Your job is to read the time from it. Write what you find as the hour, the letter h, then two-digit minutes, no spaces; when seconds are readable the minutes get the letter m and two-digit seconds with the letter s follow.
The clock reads 12h36m09s
